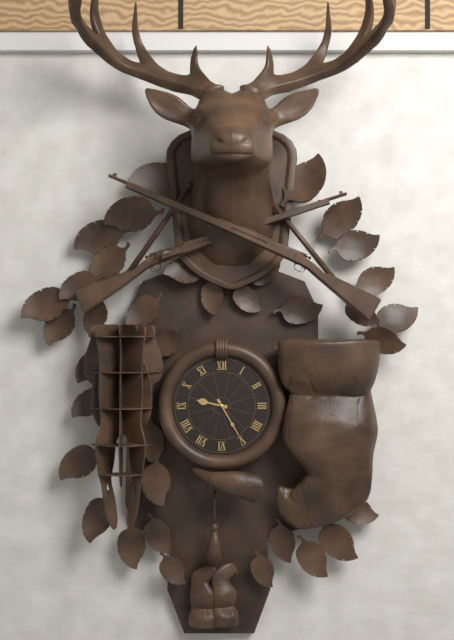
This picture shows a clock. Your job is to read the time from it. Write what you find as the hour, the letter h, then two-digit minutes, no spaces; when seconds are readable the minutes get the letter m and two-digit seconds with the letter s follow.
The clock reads 9h25
